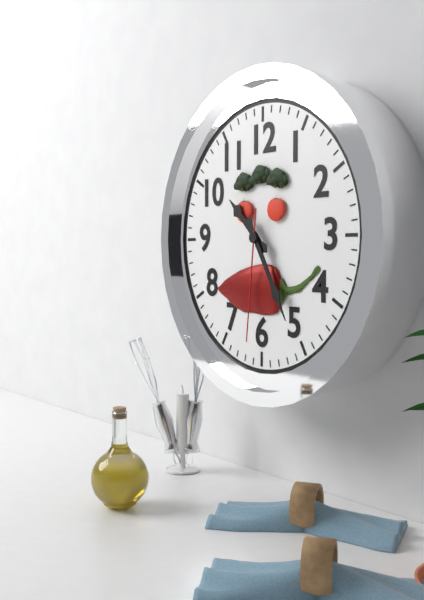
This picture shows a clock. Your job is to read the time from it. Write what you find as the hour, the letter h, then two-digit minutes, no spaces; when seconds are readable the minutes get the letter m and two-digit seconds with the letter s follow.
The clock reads 10h25m31s
